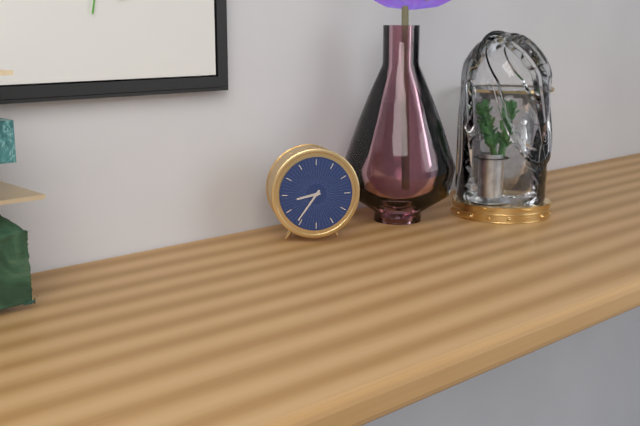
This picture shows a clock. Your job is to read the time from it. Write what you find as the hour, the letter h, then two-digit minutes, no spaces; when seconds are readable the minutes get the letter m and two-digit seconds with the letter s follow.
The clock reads 8h36
